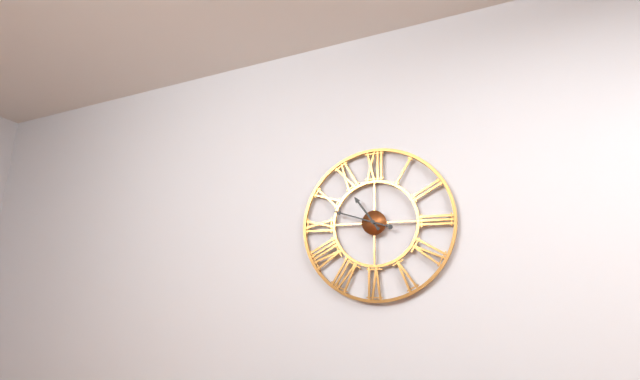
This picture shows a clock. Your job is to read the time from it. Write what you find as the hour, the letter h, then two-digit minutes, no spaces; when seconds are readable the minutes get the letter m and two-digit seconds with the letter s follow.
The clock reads 10h48
